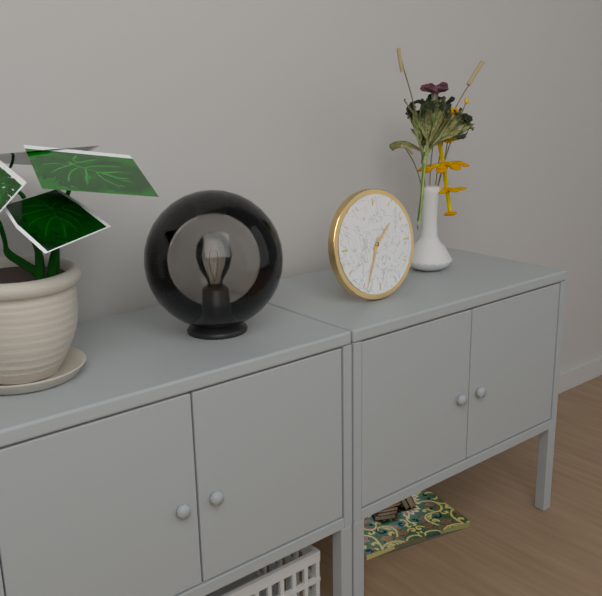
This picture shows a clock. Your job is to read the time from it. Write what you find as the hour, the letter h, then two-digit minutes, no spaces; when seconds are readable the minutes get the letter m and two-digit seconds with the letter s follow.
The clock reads 1h34
